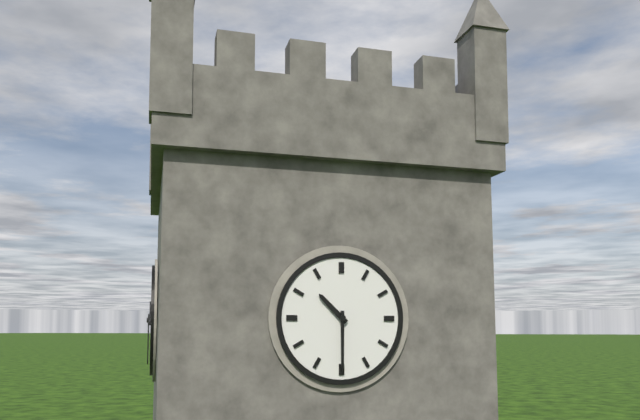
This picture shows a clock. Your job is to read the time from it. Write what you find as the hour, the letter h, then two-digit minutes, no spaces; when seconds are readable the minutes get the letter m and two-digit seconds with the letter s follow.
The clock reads 10h30
